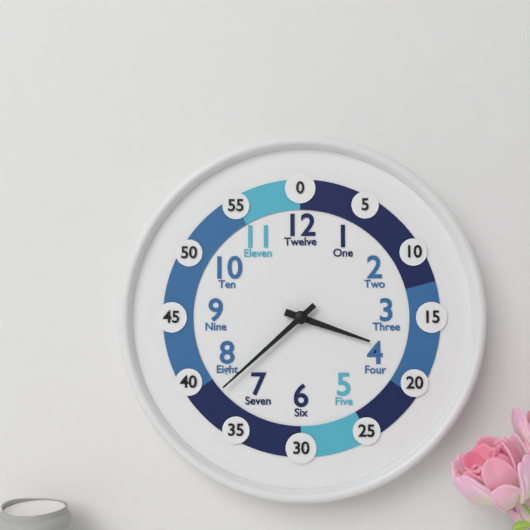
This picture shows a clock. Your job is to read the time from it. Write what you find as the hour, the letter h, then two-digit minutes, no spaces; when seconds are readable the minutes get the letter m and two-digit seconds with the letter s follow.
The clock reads 3h38
